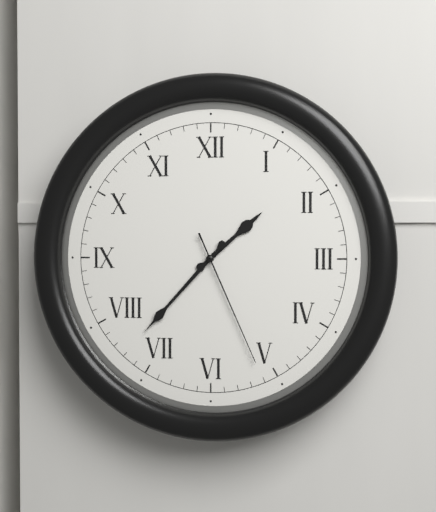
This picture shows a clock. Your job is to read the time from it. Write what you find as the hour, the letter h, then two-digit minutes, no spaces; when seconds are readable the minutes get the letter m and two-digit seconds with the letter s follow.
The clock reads 1h37m26s
